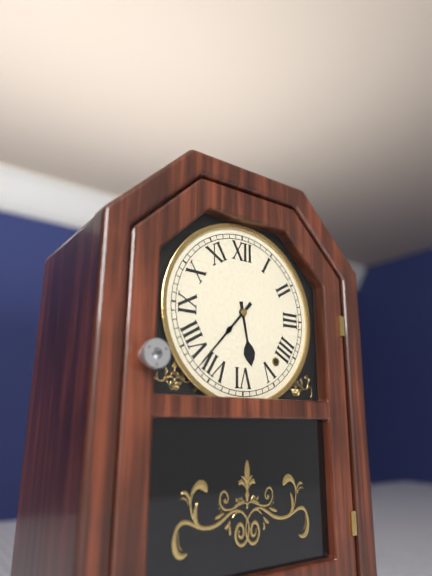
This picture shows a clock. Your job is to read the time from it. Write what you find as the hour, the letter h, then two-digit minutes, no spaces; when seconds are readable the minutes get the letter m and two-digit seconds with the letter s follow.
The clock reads 5h37
